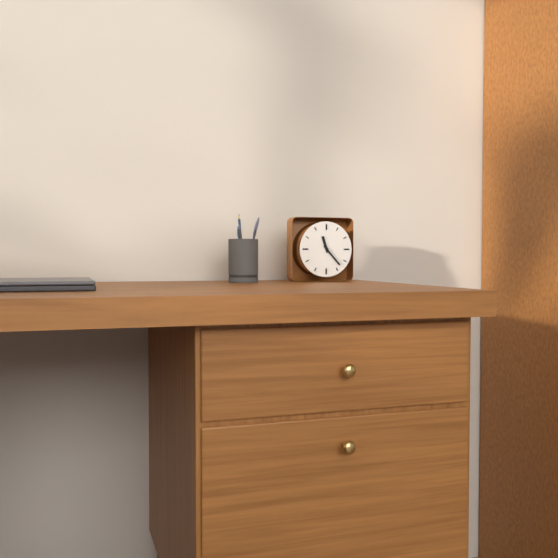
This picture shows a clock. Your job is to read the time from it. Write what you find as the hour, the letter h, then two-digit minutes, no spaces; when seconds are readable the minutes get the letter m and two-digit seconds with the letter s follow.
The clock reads 11h23
